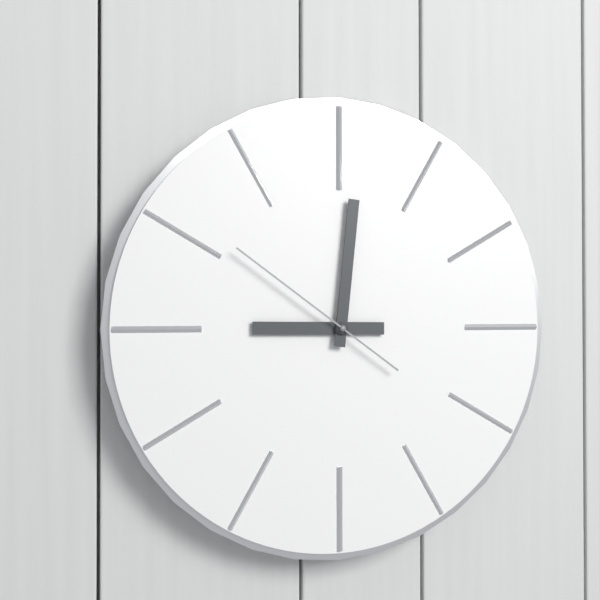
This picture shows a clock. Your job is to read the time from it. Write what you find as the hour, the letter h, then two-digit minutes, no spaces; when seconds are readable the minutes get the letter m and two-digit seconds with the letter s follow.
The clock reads 9h01m51s
